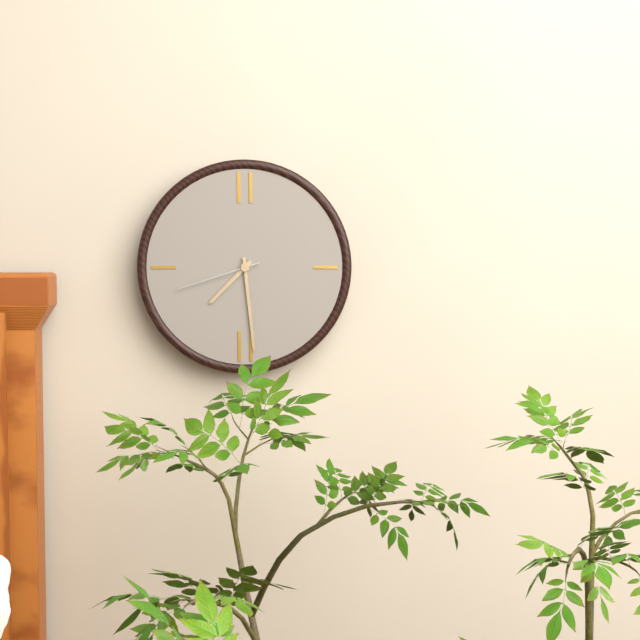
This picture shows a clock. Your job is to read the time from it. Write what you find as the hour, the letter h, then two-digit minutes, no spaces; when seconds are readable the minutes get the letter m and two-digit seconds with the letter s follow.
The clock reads 7h29m42s
